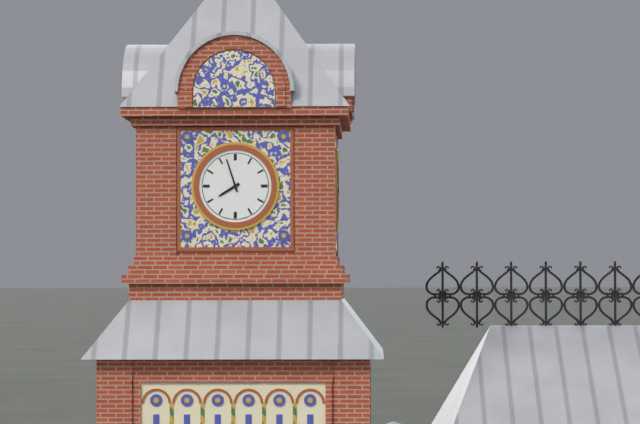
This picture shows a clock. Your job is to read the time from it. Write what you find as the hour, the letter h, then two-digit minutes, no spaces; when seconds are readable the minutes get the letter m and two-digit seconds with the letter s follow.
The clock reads 7h57
